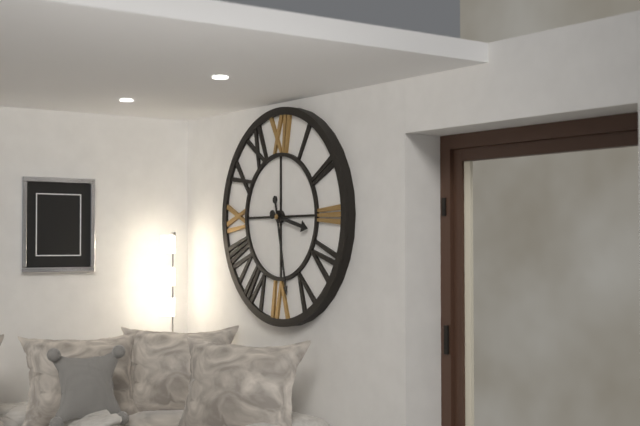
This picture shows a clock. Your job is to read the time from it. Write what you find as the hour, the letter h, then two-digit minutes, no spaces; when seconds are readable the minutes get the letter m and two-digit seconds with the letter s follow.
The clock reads 3h28
